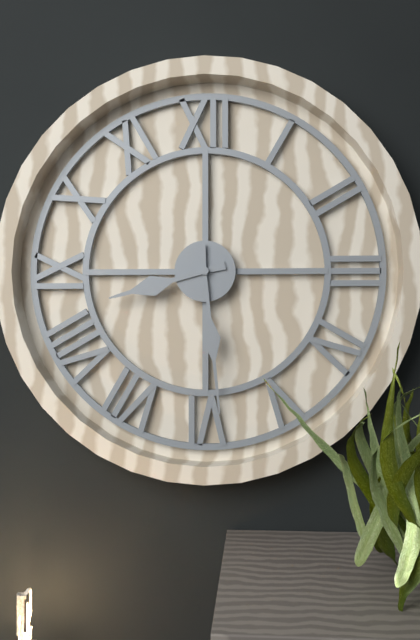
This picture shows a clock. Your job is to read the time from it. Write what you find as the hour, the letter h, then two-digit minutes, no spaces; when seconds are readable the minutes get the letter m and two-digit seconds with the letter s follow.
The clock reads 8h29
